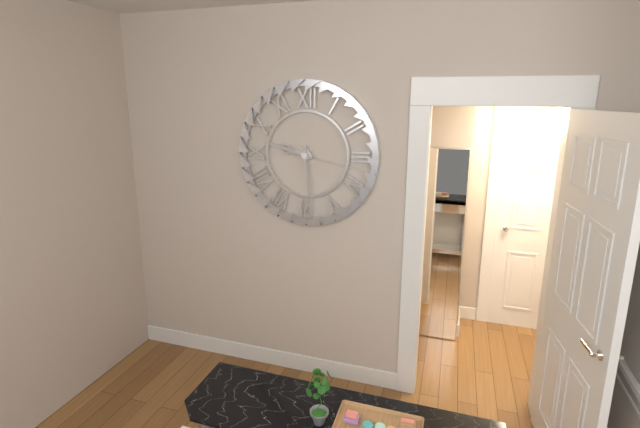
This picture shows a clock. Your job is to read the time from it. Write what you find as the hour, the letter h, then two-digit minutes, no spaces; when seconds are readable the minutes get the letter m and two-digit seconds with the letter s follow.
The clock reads 9h29m17s
